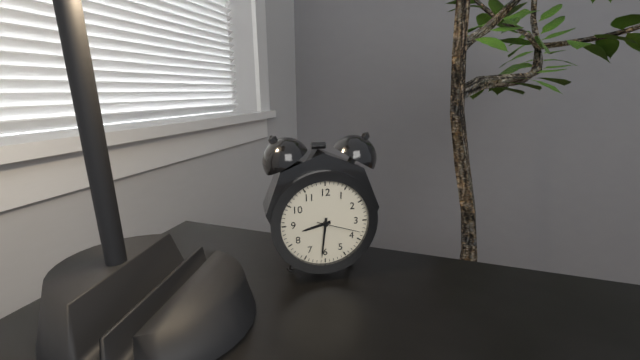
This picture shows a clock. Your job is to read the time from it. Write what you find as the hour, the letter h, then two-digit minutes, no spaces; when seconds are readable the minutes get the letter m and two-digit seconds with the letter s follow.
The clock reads 8h31
